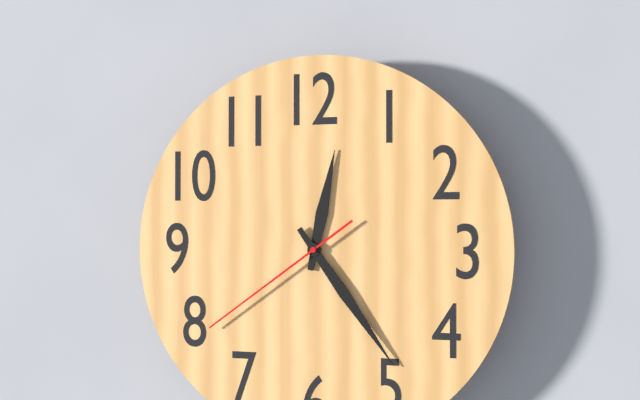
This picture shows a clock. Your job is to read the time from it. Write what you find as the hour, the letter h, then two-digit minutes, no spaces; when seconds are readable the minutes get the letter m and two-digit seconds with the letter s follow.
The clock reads 12h24m39s
